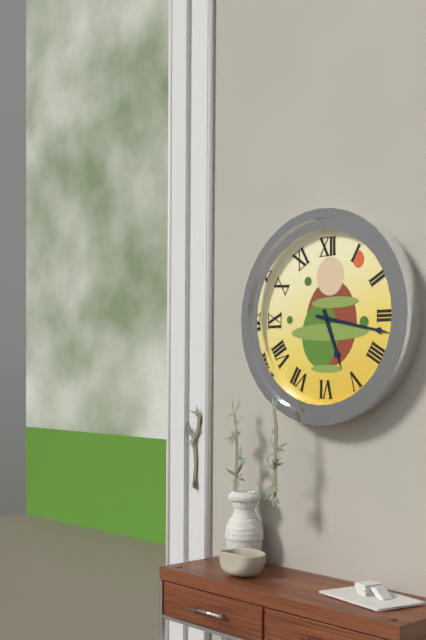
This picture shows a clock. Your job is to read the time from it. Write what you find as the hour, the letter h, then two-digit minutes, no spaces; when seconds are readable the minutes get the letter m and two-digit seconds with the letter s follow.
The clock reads 5h17
